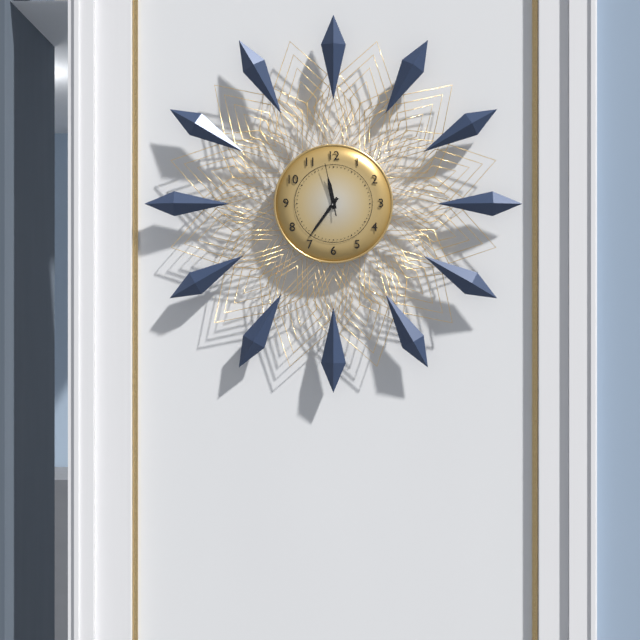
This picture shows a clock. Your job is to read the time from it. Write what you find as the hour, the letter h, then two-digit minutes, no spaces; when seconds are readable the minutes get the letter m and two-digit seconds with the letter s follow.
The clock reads 11h36m58s
